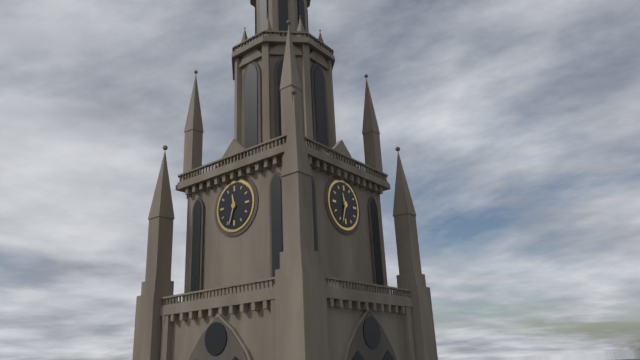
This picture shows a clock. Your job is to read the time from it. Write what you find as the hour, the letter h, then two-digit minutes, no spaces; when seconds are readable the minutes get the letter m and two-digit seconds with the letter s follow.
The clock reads 11h33
